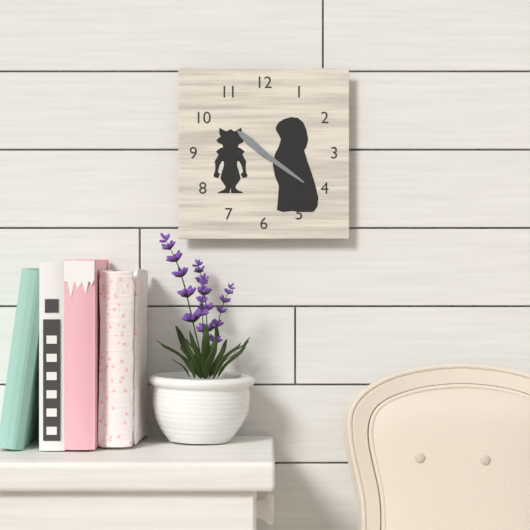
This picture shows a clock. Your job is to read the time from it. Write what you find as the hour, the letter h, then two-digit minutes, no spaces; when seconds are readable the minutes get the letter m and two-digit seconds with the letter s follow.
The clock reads 10h21
